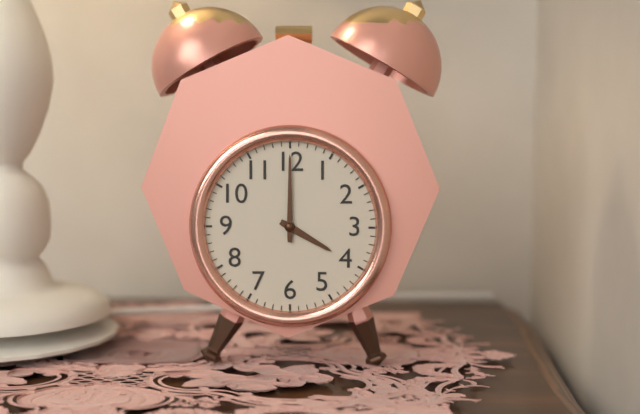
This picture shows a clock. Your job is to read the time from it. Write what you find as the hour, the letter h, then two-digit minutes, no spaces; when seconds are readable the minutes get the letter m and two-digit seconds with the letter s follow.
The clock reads 4h00
